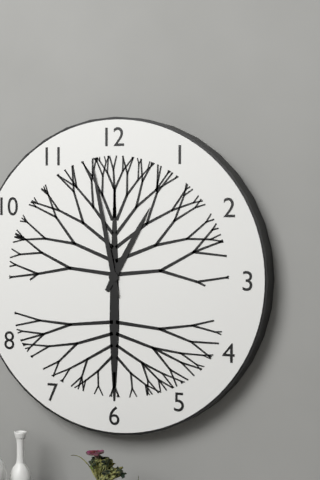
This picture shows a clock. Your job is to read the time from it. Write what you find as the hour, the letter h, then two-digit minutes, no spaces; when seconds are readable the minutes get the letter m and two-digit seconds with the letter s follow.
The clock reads 12h58
